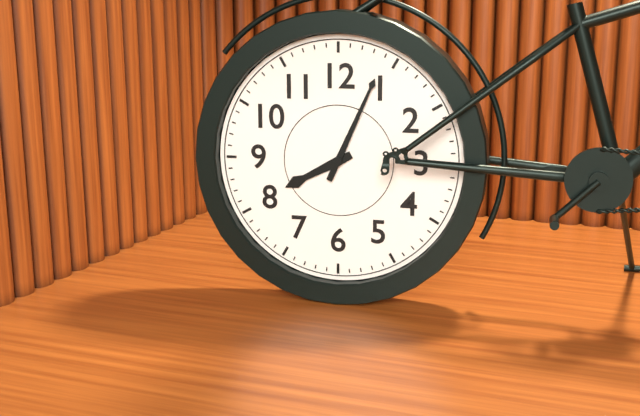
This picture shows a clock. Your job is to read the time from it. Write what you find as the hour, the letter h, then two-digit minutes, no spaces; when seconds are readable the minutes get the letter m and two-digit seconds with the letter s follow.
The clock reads 8h04
